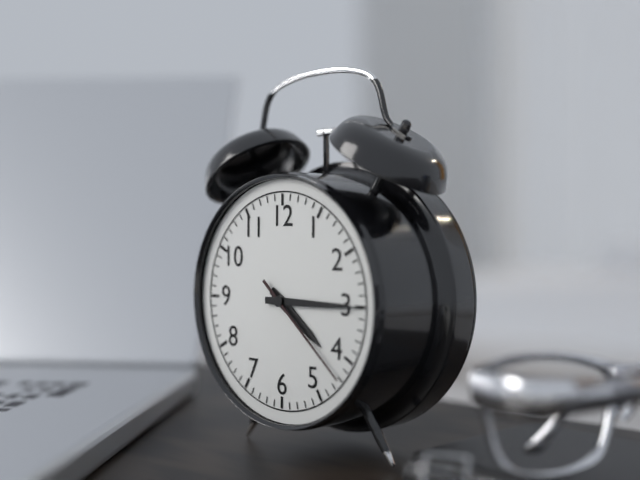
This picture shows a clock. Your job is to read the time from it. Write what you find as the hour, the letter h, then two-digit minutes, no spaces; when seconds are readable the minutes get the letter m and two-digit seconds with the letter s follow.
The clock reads 4h15m22s
